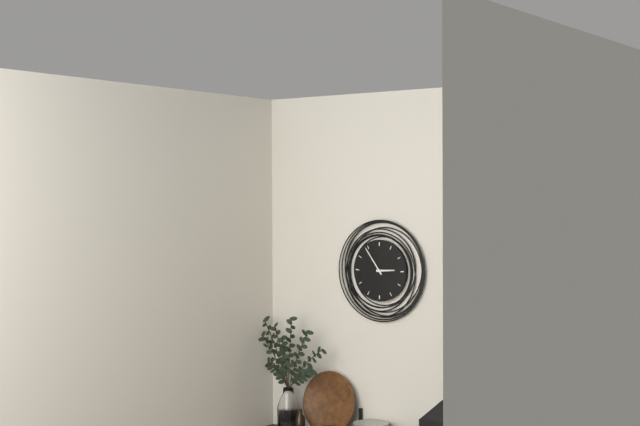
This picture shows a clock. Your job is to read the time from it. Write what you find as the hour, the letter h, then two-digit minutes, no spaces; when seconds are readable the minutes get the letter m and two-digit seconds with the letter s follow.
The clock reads 2h54
